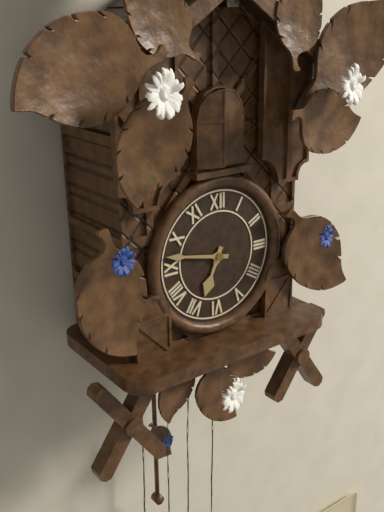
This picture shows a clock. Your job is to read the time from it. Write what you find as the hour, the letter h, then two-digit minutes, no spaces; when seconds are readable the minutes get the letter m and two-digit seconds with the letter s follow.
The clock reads 6h47
